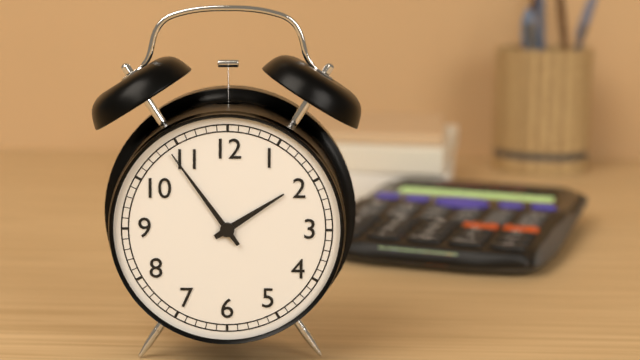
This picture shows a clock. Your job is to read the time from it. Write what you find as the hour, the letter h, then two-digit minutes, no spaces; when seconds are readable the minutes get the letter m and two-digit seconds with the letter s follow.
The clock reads 1h54
